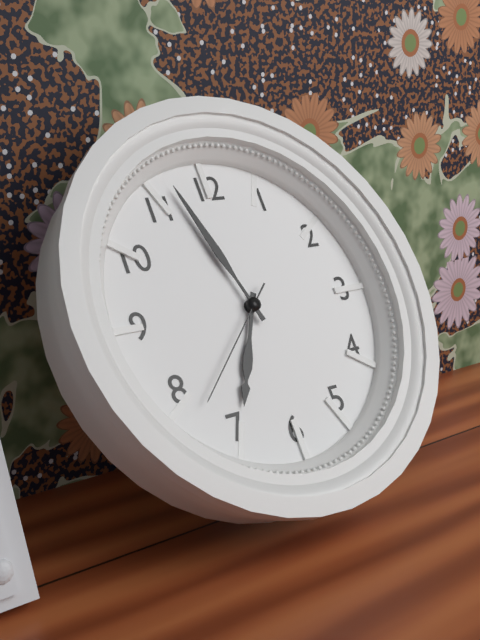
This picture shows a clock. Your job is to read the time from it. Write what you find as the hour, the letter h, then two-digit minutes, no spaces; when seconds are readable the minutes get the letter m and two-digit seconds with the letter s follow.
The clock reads 6h57m38s
